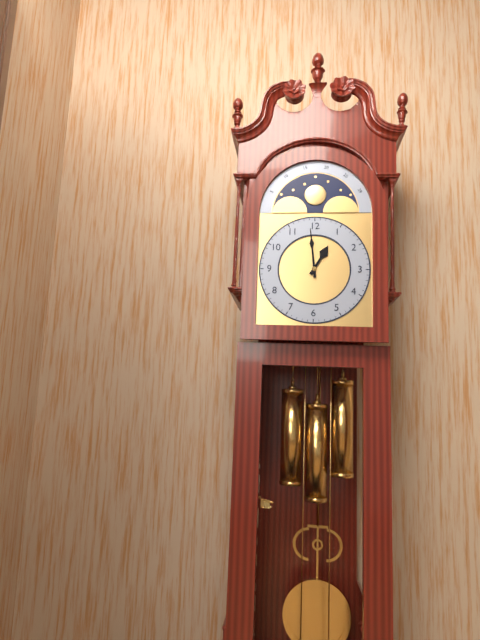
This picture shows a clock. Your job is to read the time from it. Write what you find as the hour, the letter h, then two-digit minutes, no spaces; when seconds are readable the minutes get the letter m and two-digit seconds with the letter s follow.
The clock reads 12h59
